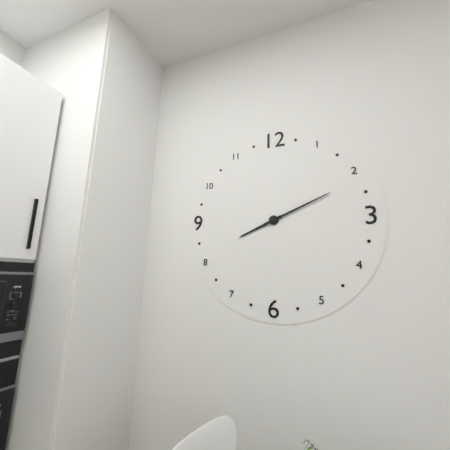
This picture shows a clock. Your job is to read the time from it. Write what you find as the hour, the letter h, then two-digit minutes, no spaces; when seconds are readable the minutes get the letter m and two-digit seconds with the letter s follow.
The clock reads 8h11
